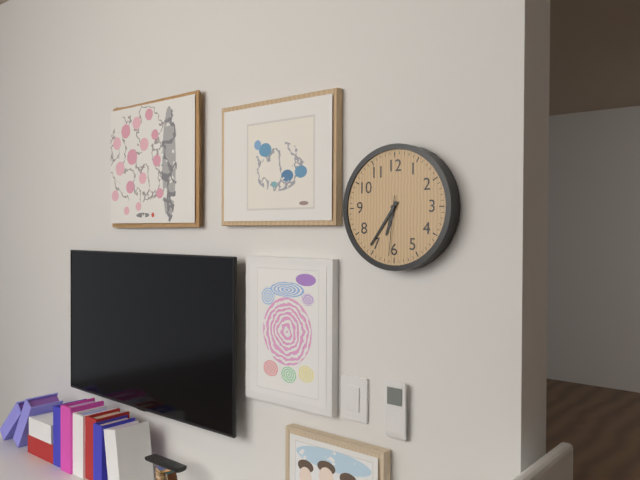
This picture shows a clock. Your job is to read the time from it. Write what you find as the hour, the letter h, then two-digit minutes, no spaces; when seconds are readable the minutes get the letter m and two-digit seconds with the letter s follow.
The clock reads 6h36m31s
